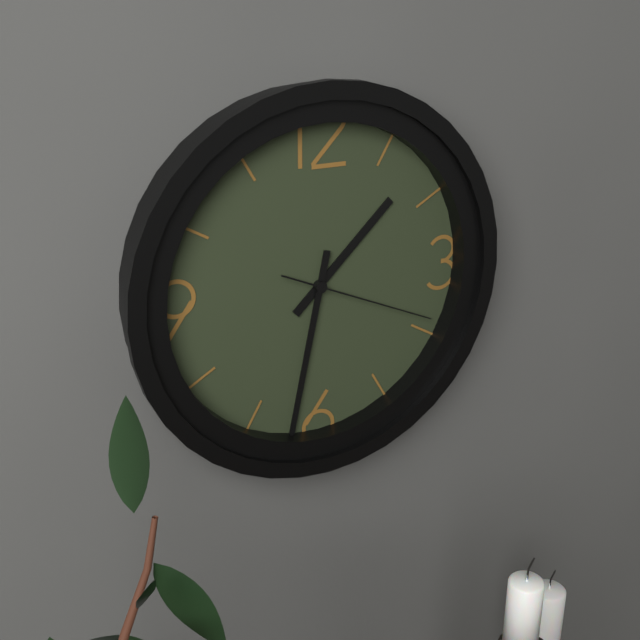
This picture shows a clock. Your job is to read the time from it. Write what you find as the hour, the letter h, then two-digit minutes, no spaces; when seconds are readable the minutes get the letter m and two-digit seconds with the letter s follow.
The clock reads 1h32m19s
